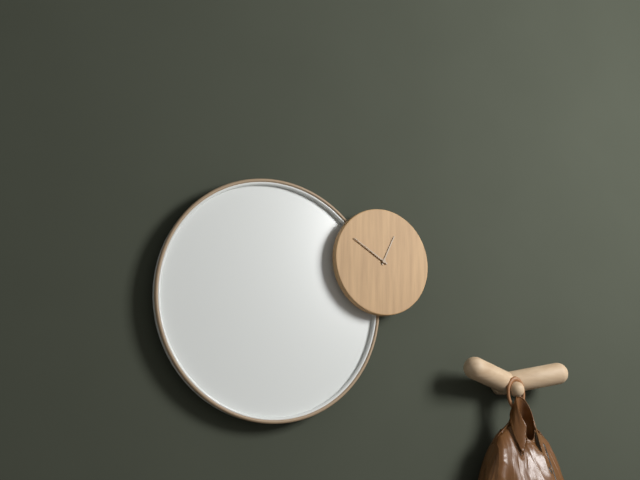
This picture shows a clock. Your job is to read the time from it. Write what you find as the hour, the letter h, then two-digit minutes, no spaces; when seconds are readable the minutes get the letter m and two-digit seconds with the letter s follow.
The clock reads 12h50
